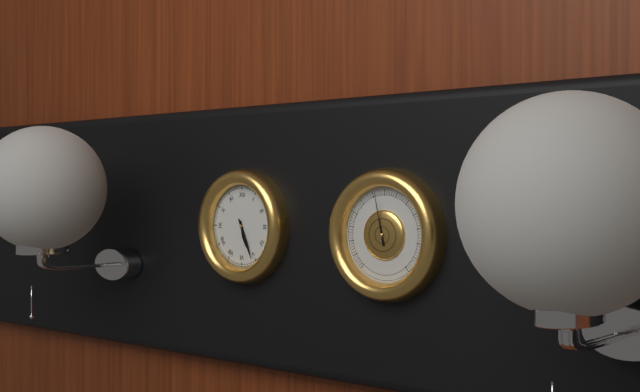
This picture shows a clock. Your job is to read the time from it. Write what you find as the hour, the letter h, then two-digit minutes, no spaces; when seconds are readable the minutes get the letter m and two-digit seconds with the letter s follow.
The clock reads 5h26
